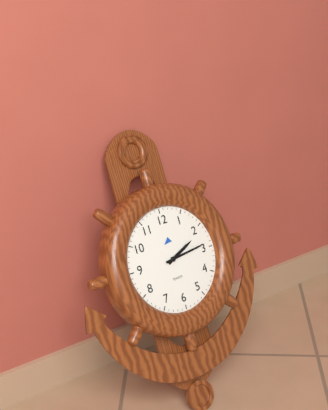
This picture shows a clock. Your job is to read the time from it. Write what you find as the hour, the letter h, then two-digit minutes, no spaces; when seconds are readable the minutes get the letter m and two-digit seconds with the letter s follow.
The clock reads 2h14
